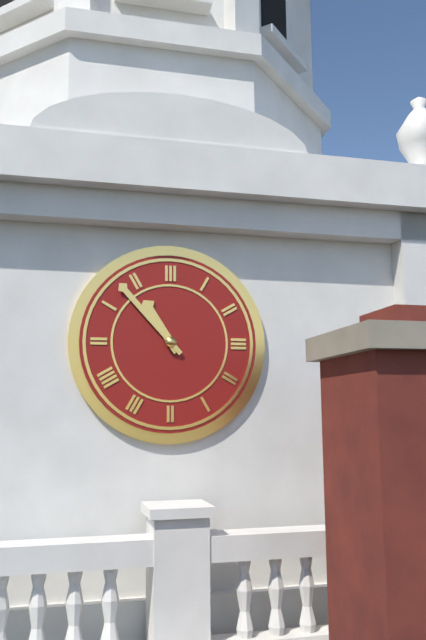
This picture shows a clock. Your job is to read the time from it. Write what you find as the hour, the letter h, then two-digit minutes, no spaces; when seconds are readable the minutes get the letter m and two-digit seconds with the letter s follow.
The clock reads 10h53
